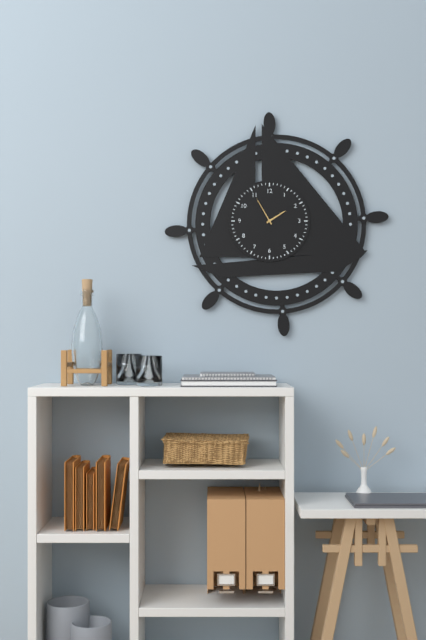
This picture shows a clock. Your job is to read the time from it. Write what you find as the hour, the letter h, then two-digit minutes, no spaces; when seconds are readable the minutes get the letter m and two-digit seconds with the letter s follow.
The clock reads 1h55
